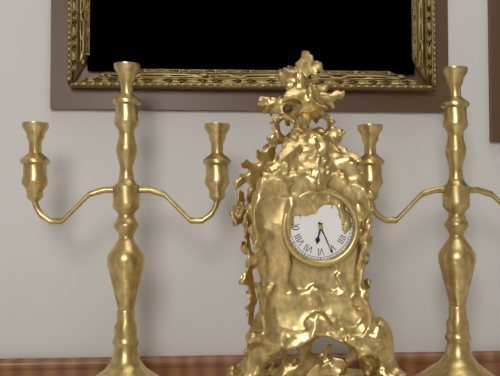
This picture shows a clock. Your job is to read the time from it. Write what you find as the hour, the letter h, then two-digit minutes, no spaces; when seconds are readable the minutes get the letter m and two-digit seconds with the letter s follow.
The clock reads 6h26
